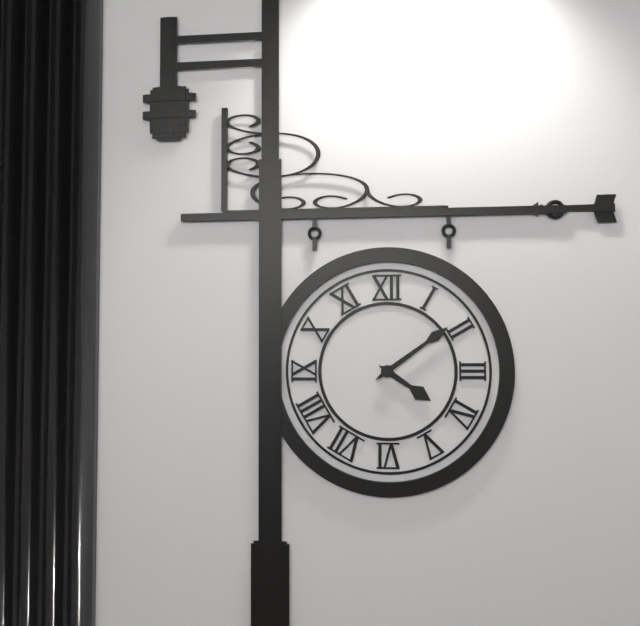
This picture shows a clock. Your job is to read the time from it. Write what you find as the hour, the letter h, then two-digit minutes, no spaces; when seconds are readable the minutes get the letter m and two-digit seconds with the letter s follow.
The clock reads 4h09
